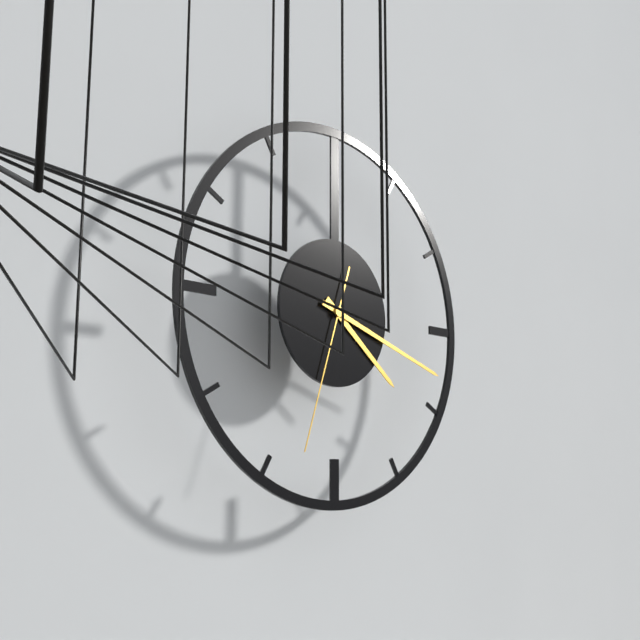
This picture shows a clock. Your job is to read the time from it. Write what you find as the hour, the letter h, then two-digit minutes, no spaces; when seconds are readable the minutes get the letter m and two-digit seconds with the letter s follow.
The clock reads 4h18m33s
